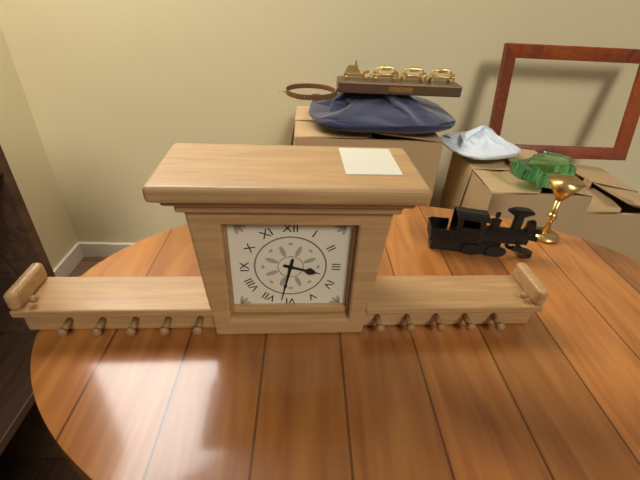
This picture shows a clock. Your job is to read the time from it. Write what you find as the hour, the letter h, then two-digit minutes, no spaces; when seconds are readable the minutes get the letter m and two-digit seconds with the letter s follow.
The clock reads 3h32
